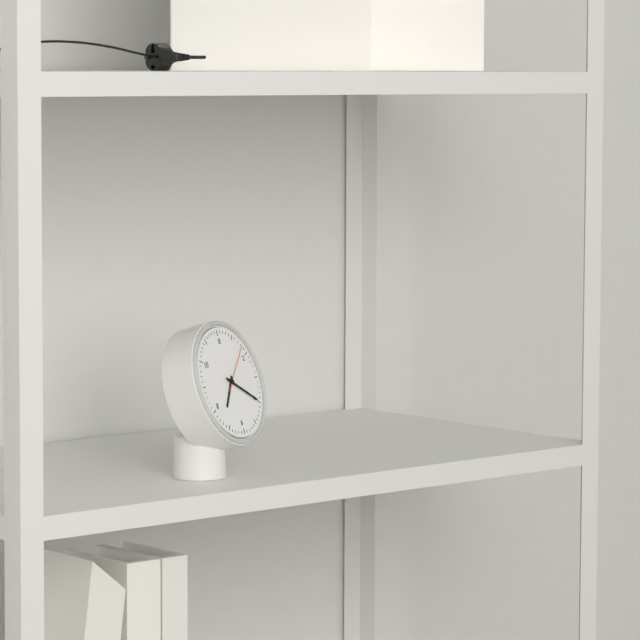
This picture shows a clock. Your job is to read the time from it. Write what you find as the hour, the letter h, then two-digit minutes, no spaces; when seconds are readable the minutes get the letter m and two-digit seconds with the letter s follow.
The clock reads 7h20
